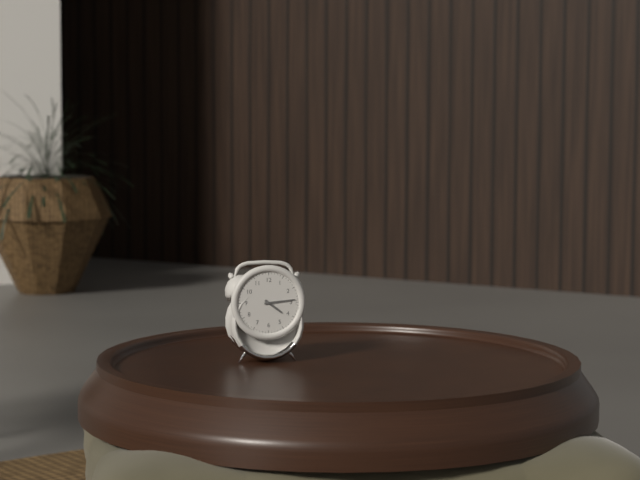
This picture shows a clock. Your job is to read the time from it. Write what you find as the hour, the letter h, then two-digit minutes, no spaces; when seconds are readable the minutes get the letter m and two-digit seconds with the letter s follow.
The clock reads 4h14
